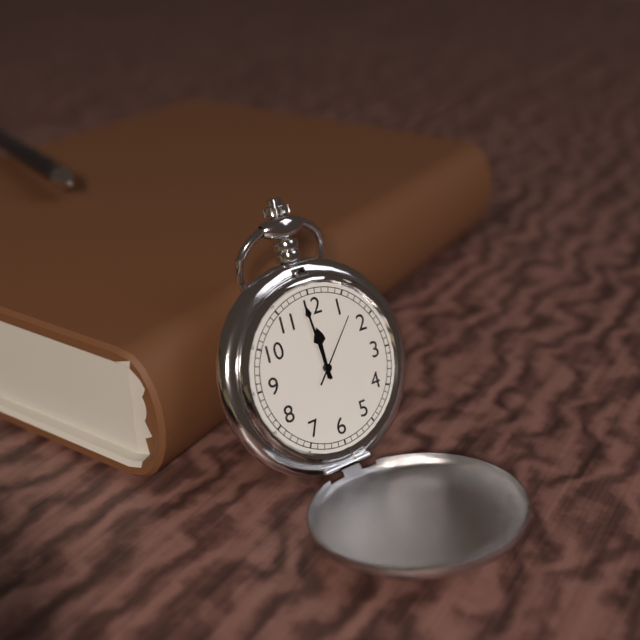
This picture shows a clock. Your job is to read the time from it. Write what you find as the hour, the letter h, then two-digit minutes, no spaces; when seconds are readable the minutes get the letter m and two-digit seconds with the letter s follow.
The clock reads 11h59m07s
